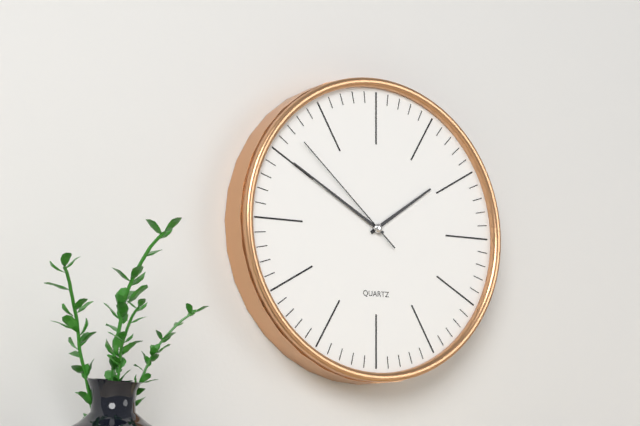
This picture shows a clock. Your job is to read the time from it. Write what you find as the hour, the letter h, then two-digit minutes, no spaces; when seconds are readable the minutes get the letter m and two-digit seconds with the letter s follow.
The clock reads 1h50m52s
